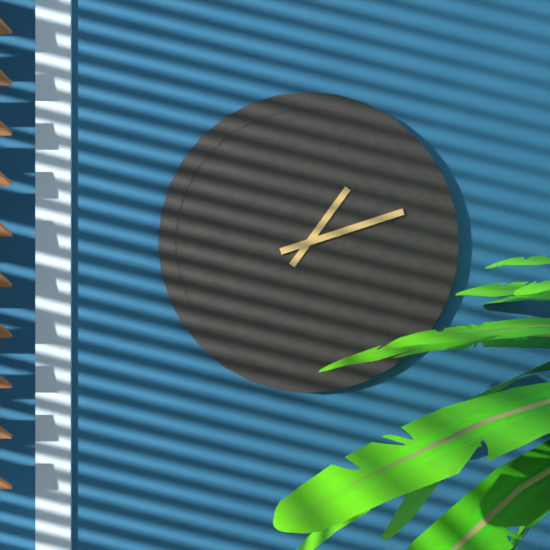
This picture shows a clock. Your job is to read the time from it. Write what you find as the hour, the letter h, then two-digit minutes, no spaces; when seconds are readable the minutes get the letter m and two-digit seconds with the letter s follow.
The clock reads 1h12
